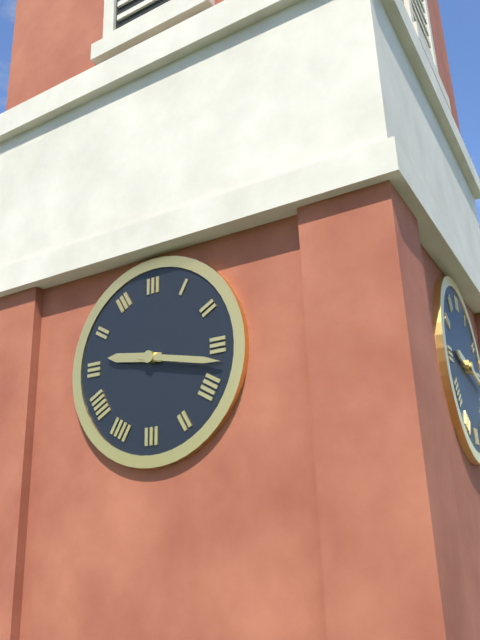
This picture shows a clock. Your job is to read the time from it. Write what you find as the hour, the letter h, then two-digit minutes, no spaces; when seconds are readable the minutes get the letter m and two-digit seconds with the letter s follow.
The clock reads 9h17
